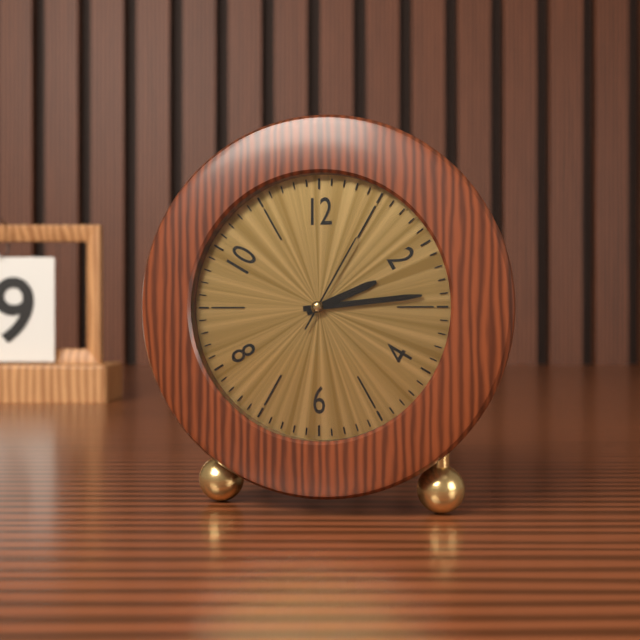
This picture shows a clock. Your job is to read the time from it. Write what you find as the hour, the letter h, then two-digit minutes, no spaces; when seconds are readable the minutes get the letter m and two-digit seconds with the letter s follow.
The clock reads 2h14m05s
